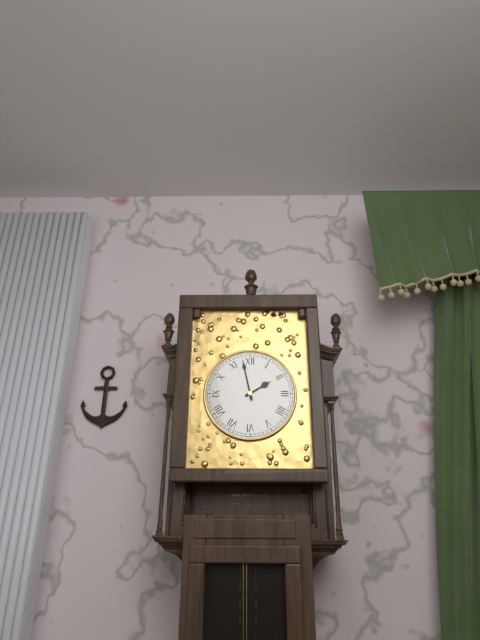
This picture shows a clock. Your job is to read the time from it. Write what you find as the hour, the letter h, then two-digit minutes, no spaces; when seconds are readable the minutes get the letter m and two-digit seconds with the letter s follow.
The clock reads 1h58
